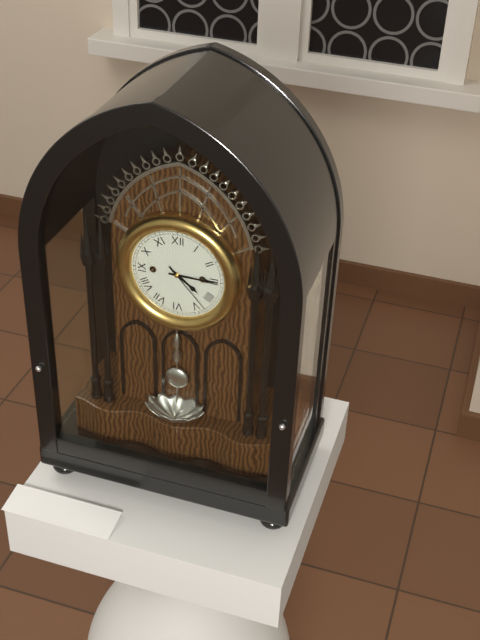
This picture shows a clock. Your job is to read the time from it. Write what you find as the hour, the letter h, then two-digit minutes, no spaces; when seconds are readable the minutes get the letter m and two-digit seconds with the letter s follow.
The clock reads 4h15m23s
